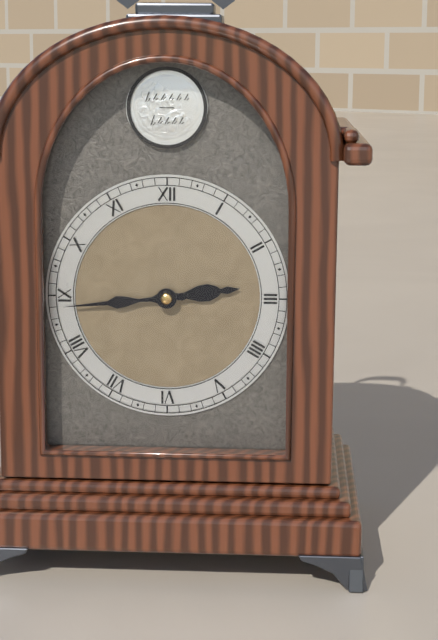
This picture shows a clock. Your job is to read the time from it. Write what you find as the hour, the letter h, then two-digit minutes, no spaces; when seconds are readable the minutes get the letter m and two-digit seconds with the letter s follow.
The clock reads 2h44
